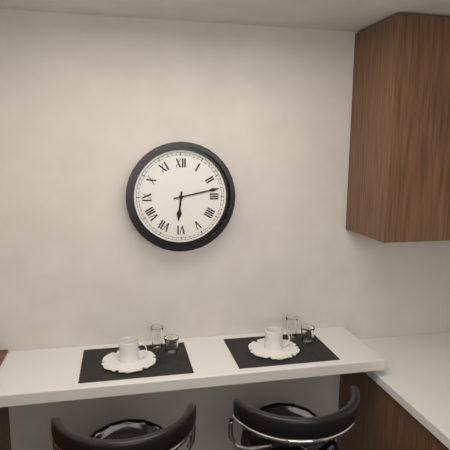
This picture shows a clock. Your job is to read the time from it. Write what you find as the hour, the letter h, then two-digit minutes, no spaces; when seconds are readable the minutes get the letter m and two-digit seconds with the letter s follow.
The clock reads 6h13
